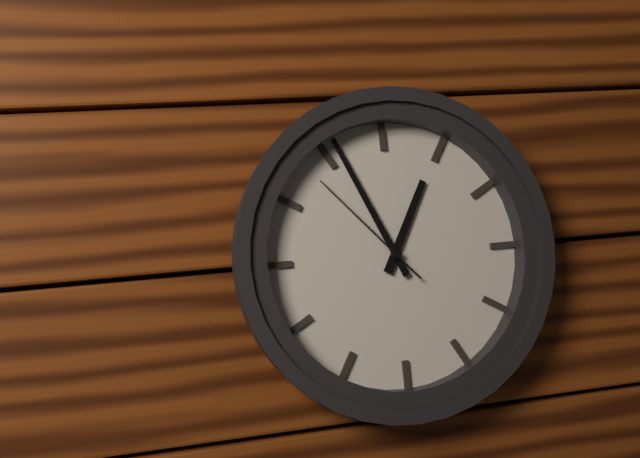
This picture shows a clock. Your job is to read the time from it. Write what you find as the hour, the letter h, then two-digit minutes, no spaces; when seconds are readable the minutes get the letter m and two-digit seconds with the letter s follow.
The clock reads 12h56m53s
